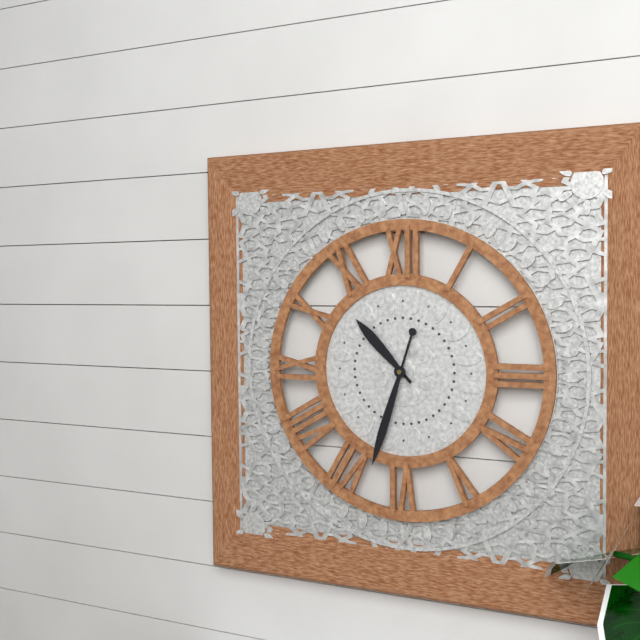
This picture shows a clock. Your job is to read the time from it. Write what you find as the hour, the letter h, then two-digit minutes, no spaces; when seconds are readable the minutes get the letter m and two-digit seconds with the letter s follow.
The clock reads 10h33
